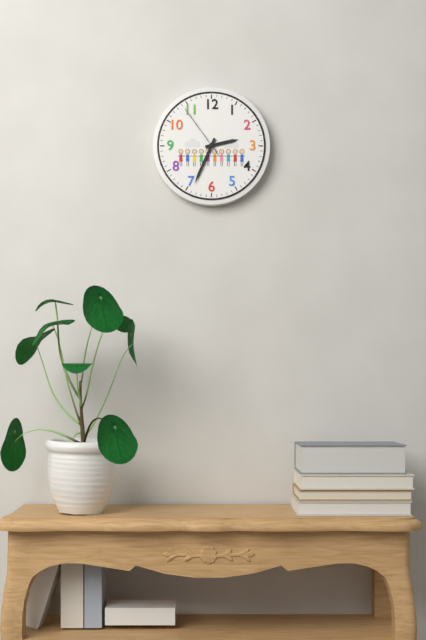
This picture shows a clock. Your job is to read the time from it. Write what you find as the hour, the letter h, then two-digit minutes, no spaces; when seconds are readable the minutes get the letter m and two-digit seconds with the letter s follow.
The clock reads 2h34m54s
